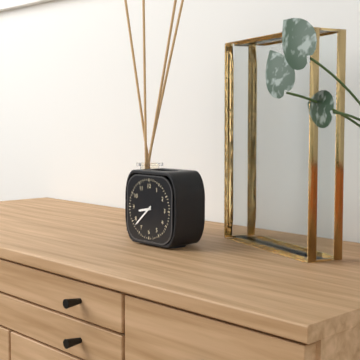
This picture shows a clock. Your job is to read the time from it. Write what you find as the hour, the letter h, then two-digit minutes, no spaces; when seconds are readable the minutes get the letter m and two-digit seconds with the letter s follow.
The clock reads 8h38
